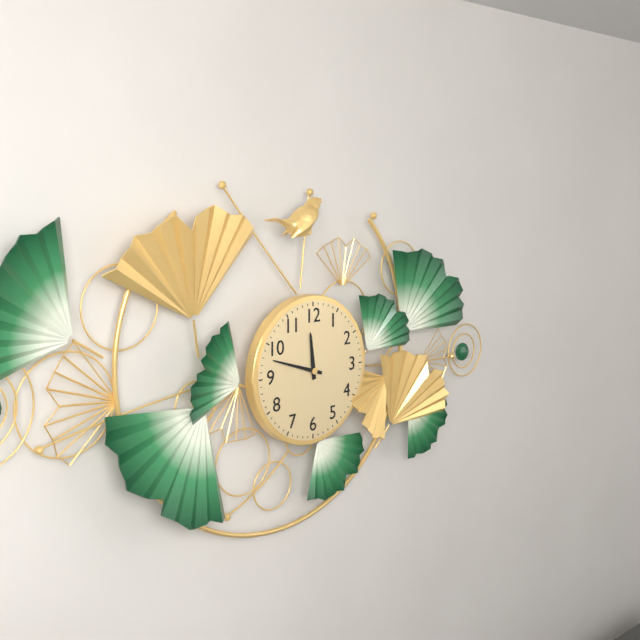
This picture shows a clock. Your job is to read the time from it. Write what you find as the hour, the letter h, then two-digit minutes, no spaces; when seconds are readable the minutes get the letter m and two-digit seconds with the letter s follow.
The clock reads 11h48
